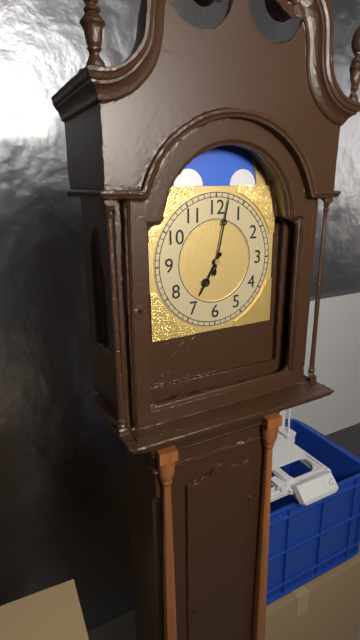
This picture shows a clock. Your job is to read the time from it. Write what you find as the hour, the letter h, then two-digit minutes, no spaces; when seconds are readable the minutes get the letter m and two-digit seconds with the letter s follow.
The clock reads 7h02
